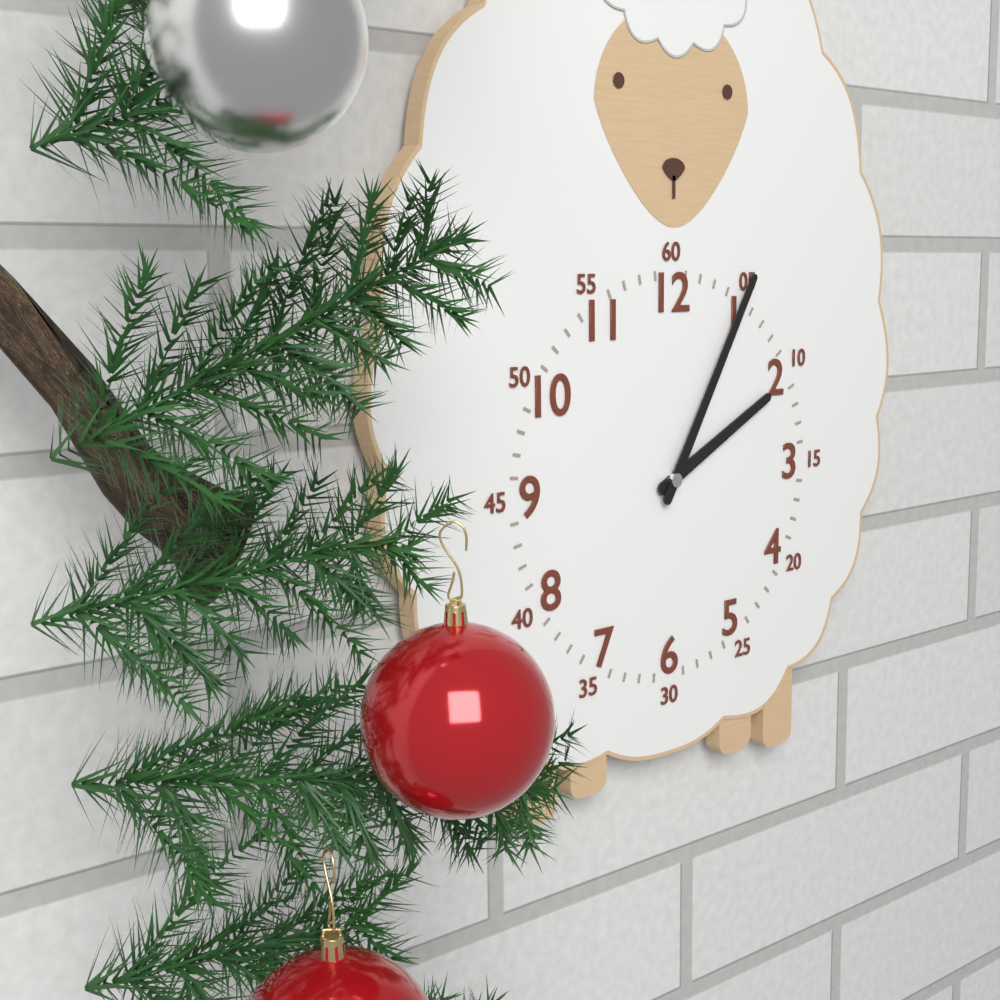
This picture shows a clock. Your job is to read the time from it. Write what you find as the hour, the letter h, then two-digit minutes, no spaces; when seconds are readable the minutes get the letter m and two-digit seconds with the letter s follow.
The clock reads 2h05
